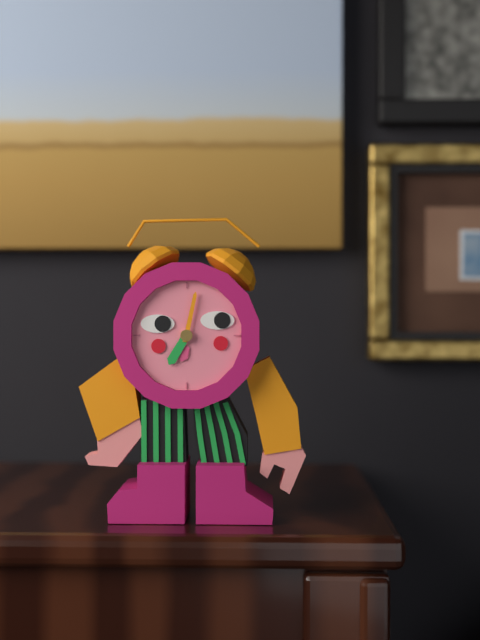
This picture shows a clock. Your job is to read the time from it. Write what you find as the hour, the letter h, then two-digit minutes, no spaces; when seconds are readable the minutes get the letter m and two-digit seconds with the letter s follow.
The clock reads 7h02
